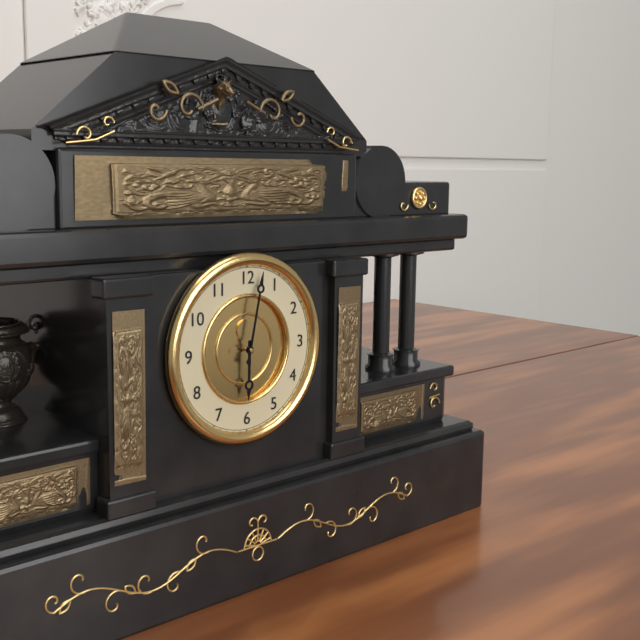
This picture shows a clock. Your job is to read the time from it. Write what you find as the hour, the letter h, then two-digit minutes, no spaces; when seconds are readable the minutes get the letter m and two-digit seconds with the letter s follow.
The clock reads 6h02
